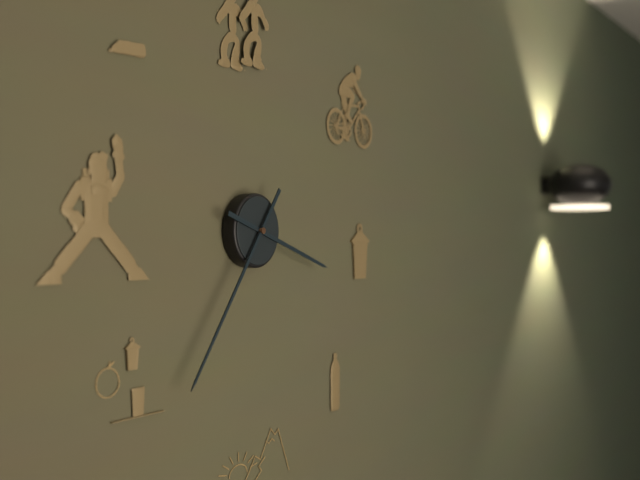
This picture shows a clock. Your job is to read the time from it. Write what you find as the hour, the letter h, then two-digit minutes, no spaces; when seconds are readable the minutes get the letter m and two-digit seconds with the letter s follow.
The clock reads 3h36
